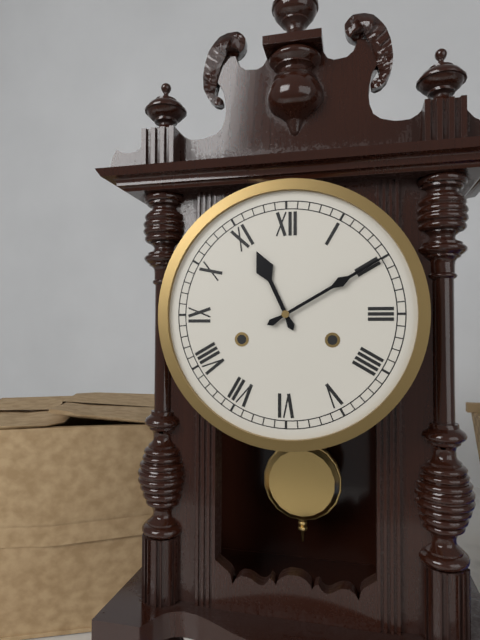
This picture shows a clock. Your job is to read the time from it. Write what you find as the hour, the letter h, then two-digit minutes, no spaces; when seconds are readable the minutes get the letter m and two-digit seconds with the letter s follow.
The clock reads 11h10
